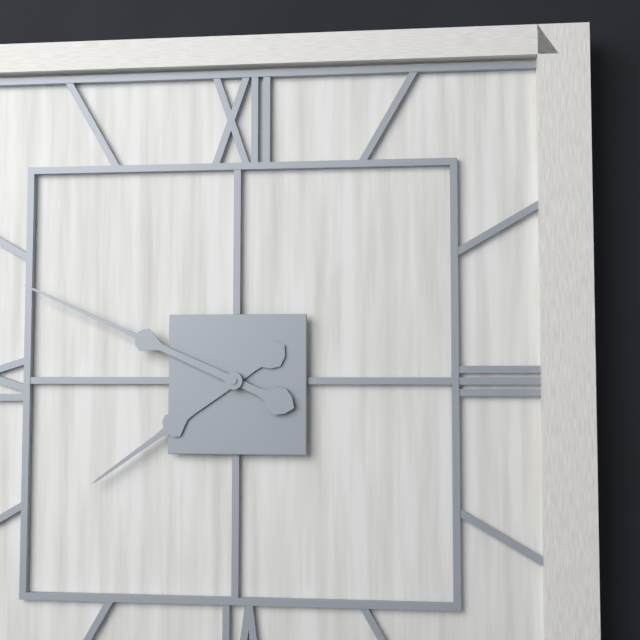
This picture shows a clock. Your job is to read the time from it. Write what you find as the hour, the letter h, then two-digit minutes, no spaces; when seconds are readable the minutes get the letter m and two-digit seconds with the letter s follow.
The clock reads 7h49
